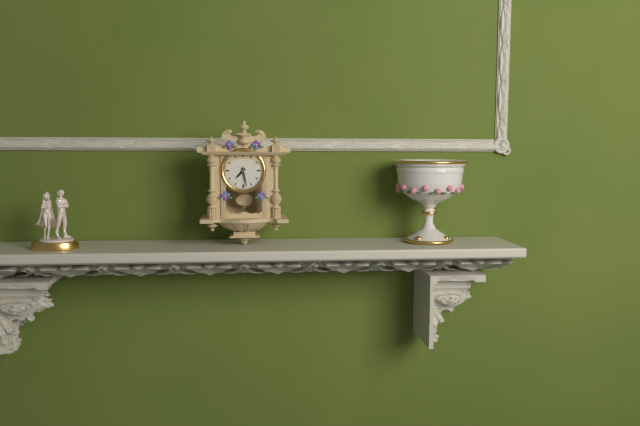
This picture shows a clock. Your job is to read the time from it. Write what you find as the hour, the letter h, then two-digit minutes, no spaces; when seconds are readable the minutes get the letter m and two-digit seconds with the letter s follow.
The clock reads 7h28
